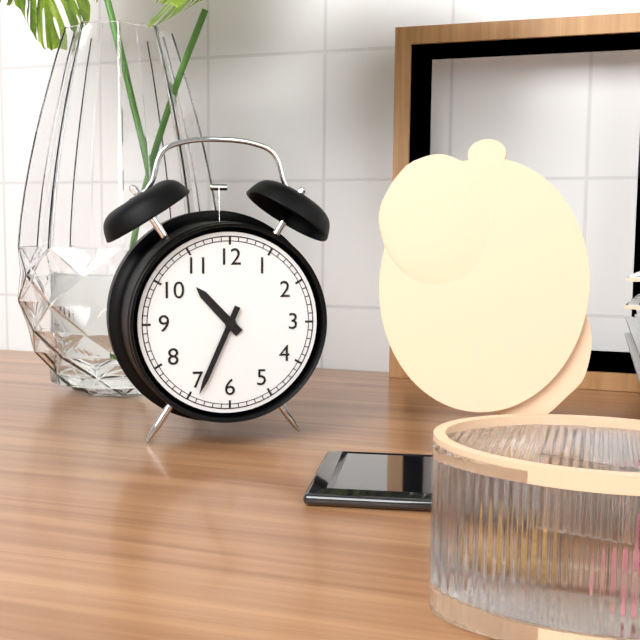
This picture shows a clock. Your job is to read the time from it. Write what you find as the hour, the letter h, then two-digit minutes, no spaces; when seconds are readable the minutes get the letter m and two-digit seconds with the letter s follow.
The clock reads 10h34
